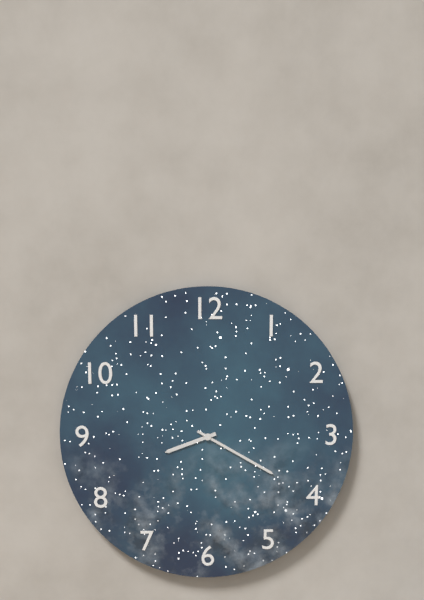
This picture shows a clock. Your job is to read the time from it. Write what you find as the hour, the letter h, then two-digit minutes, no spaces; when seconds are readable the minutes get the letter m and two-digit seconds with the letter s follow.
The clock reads 8h20
